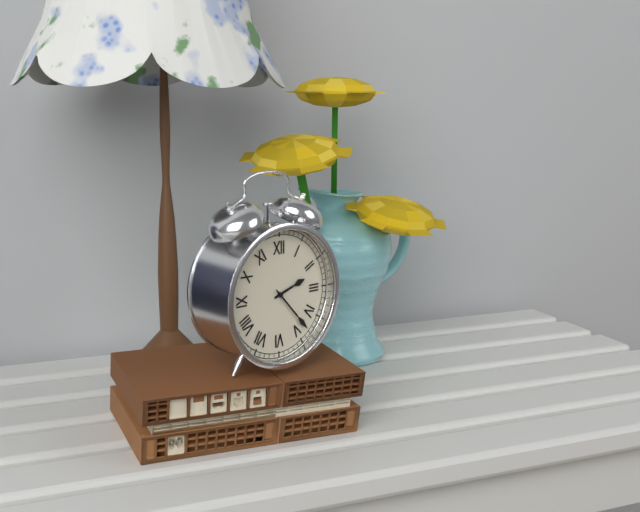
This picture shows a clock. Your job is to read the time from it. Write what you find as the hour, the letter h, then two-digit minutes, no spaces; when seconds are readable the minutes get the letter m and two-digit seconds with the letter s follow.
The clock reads 2h23
